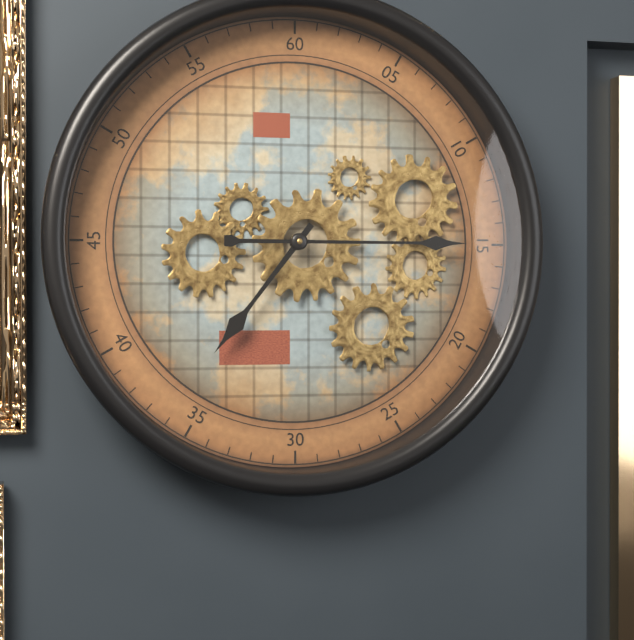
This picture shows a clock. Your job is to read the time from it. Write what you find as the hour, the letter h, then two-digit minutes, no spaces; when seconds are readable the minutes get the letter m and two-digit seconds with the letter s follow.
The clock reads 7h15
